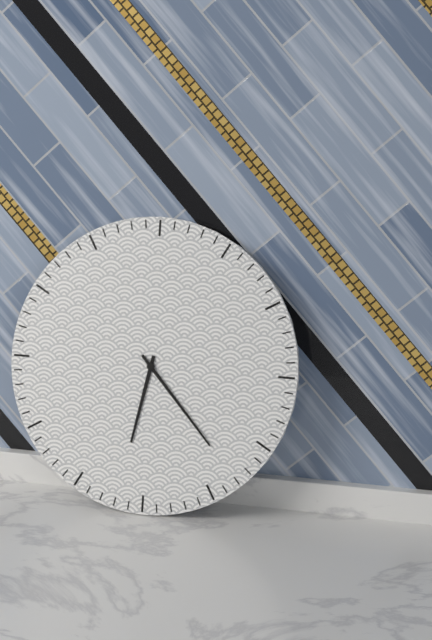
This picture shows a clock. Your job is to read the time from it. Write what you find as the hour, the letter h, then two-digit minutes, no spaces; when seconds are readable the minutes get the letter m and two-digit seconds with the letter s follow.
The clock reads 6h23
